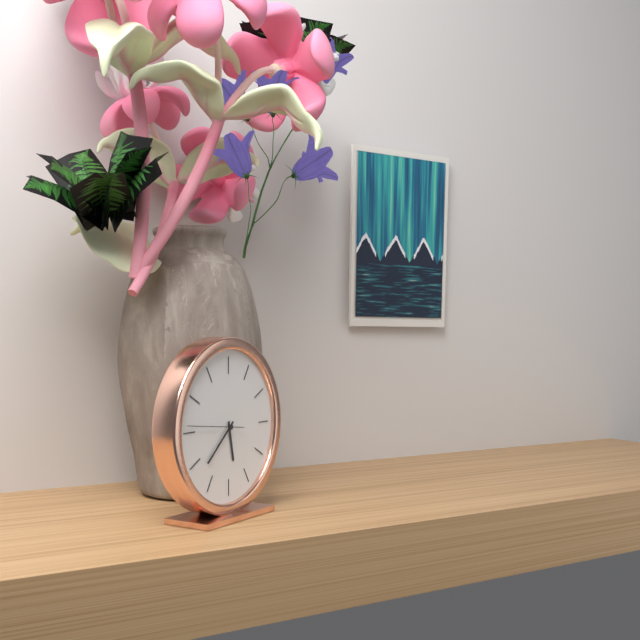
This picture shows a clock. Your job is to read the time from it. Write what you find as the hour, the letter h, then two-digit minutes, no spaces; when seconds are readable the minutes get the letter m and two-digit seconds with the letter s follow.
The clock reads 5h38m46s
